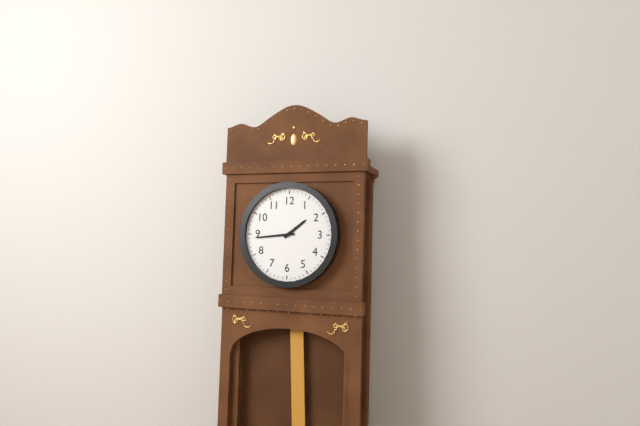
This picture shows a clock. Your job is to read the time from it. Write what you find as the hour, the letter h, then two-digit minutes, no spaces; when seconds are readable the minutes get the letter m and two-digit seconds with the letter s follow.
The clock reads 1h44
